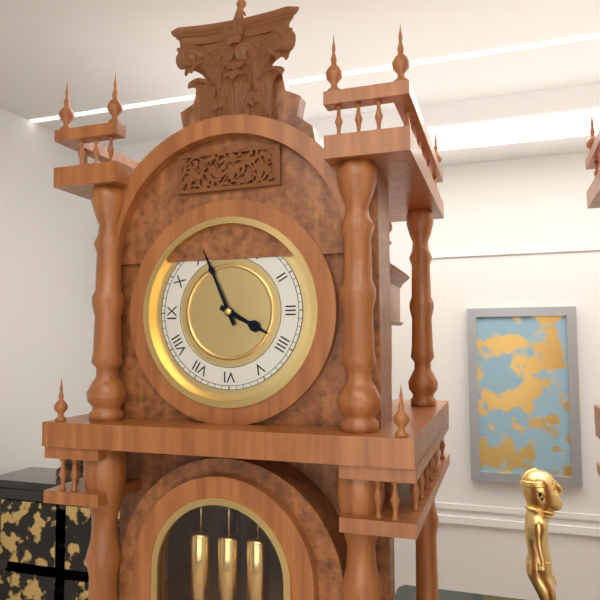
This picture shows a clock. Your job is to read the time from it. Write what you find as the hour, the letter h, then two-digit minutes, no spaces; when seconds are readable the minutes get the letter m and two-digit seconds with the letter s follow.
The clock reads 3h56
